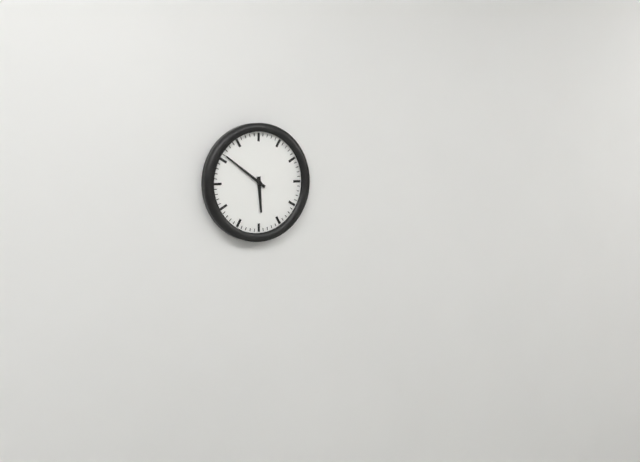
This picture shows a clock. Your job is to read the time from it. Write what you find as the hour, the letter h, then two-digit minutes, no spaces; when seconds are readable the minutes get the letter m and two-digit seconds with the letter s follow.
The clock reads 5h51
